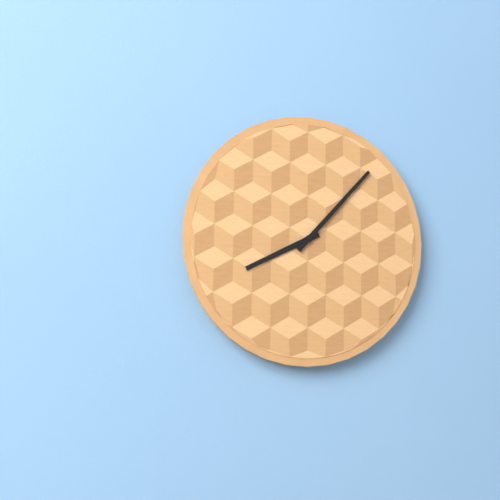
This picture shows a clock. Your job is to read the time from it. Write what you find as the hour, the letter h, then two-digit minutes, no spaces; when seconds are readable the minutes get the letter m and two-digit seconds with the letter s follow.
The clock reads 8h07
